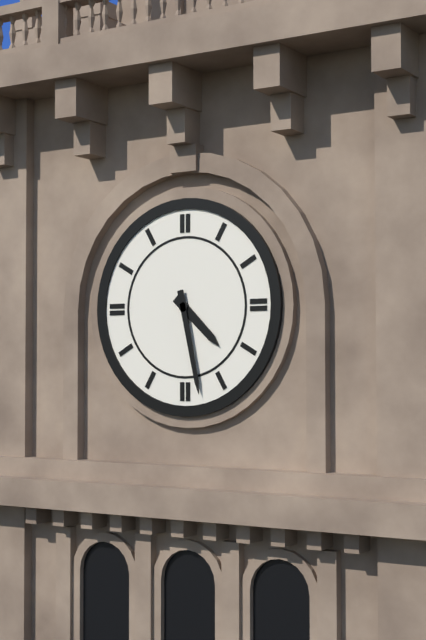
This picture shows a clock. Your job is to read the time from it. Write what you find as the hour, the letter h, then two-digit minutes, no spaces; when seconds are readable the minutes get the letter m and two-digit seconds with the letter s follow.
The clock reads 4h28
